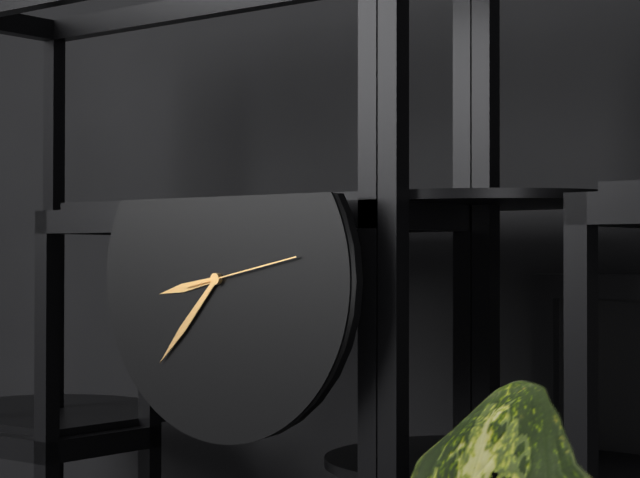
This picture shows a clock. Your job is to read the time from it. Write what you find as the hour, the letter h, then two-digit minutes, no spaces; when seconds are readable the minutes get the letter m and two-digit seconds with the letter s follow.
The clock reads 8h37m13s
